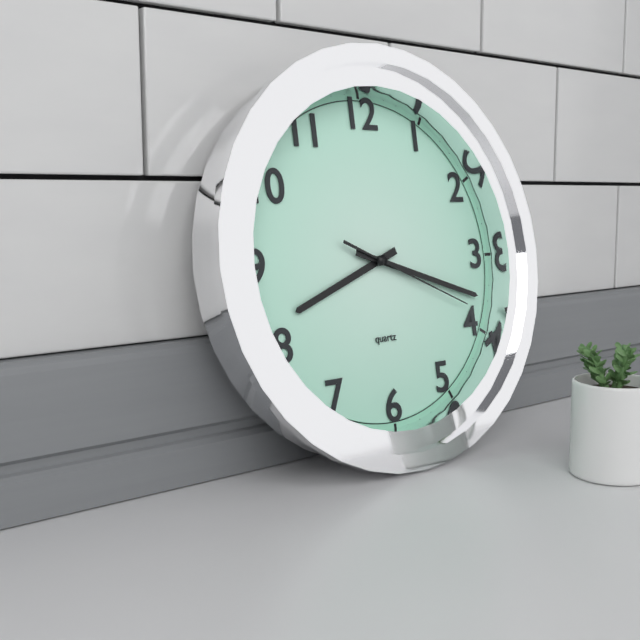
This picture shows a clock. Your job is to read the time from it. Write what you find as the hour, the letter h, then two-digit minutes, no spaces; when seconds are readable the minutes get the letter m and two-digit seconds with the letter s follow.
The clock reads 8h18m19s
